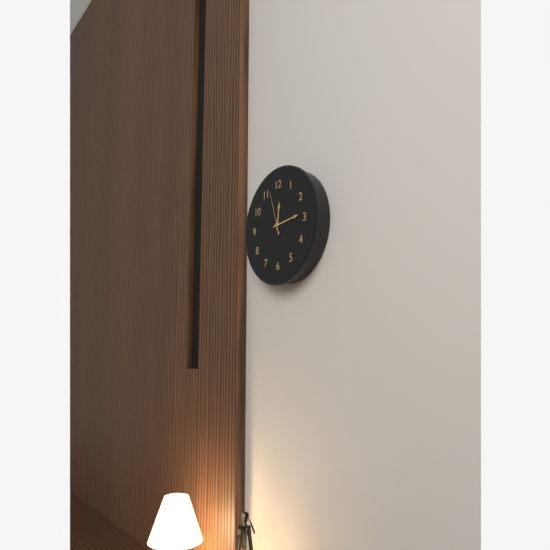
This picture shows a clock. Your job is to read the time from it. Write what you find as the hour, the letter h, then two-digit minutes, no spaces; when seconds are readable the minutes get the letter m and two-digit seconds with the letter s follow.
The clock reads 12h14
